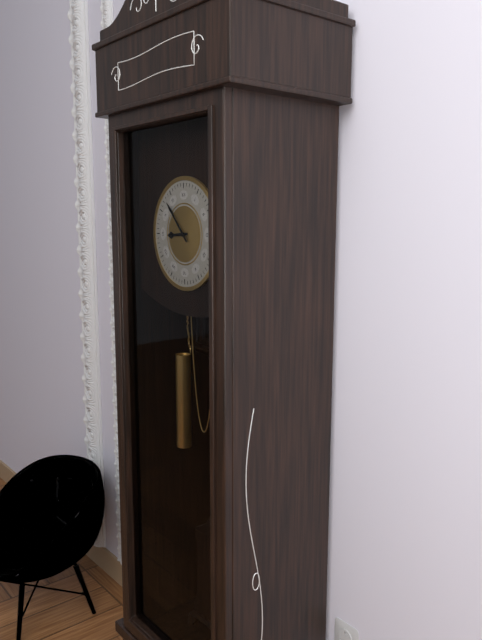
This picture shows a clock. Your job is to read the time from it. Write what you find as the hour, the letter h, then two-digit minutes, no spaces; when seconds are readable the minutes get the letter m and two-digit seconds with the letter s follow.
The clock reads 8h53
